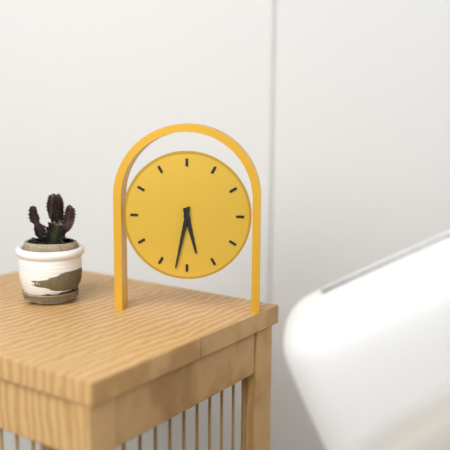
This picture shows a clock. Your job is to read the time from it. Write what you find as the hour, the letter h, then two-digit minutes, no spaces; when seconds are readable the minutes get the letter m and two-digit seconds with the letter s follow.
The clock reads 5h32
